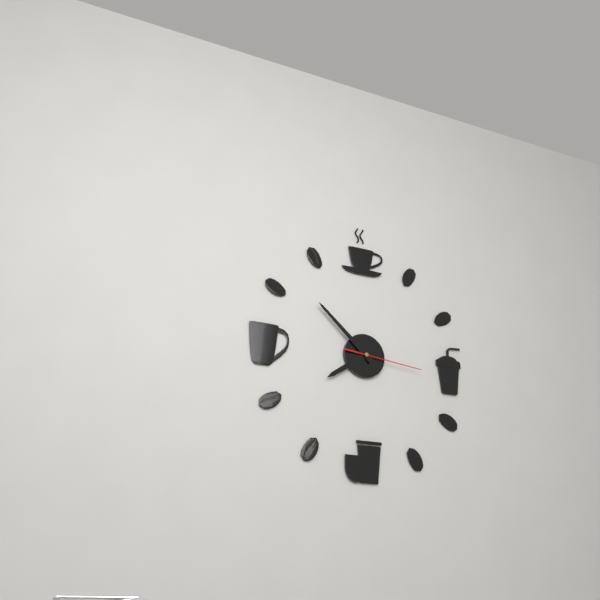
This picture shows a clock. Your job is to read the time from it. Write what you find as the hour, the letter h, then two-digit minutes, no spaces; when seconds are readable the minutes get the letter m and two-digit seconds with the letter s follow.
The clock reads 7h52m16s
